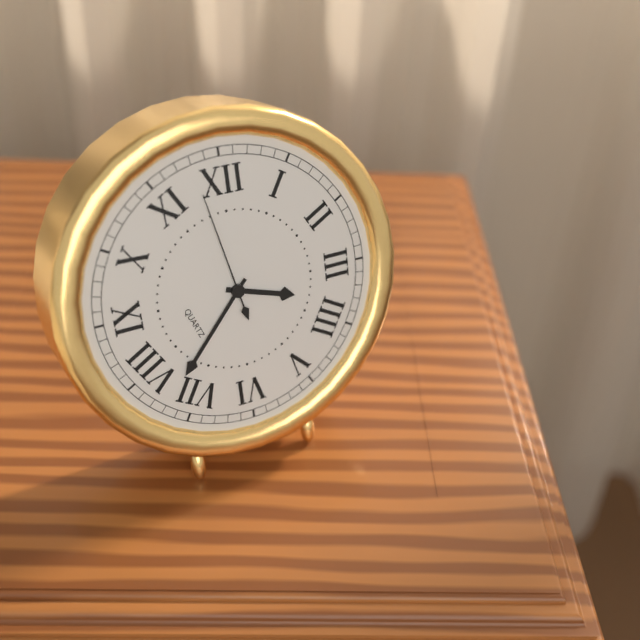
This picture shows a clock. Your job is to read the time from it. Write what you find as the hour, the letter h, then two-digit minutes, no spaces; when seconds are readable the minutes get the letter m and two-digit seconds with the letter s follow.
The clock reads 3h37m58s
